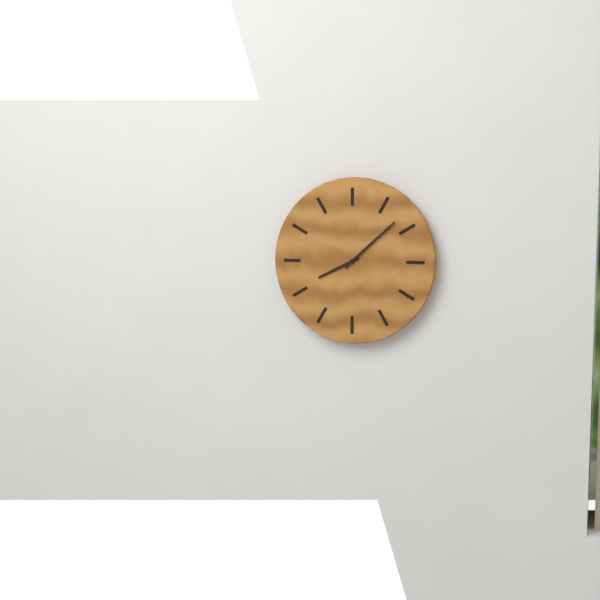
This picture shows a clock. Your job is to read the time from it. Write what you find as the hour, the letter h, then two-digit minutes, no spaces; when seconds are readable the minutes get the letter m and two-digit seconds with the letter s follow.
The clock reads 8h08
